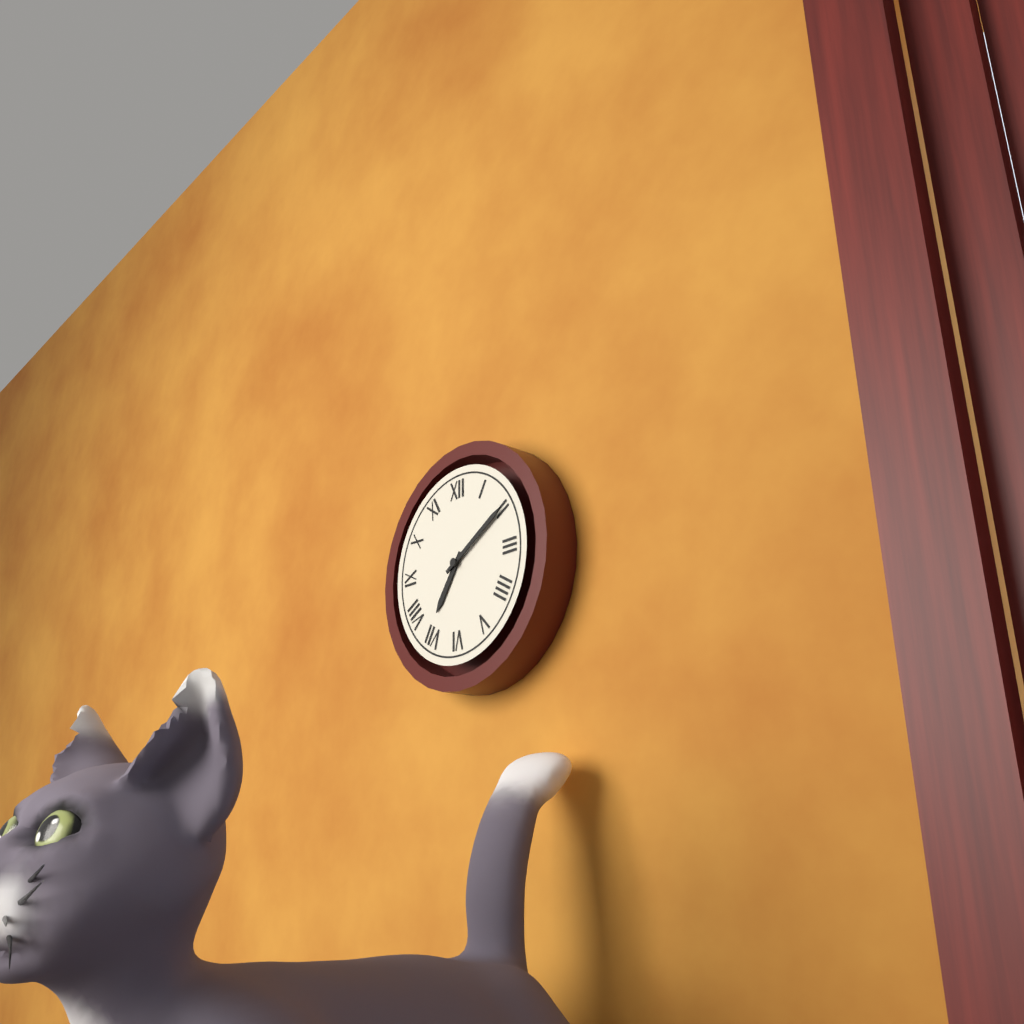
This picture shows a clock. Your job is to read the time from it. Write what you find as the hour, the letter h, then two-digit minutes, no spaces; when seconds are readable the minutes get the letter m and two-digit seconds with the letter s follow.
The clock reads 7h10
